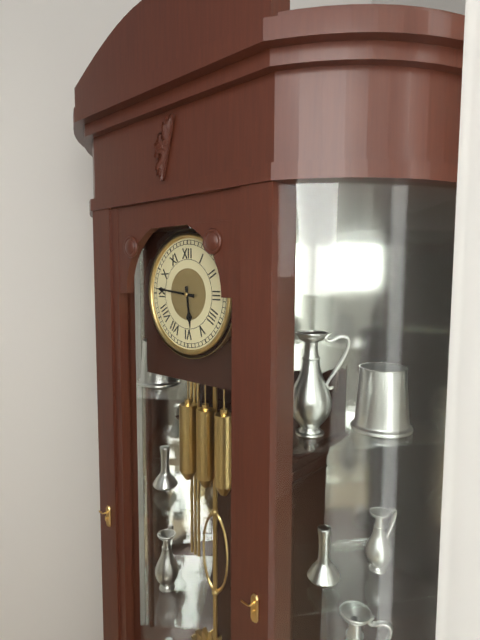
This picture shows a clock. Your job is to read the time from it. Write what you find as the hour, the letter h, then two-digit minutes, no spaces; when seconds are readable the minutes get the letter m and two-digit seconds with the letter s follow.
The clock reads 5h46
